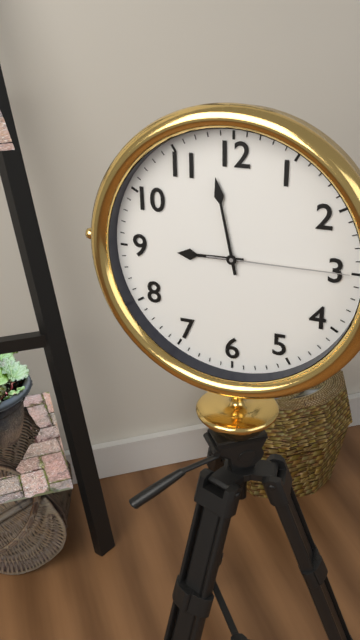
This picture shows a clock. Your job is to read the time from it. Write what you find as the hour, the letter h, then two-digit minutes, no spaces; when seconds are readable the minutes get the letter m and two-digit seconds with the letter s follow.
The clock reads 8h58m15s
